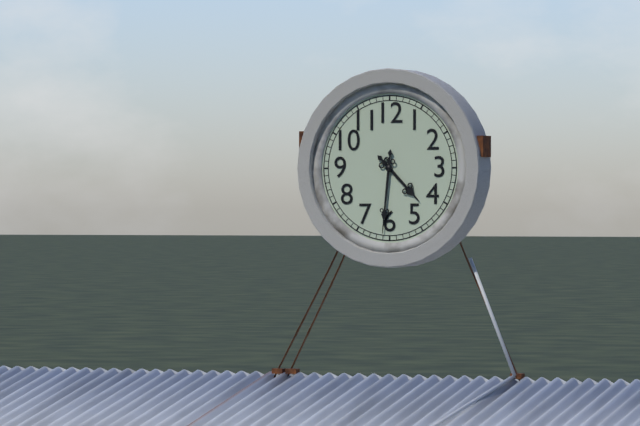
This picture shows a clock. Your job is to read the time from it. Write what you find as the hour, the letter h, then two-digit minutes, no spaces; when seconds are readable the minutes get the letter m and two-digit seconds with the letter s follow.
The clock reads 4h31
